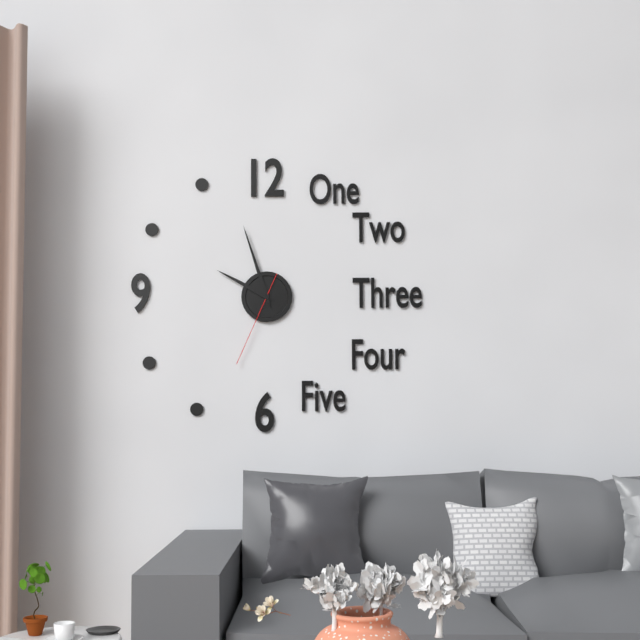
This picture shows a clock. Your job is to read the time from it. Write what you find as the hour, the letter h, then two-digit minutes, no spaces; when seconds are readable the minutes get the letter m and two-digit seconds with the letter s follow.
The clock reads 9h57m34s
